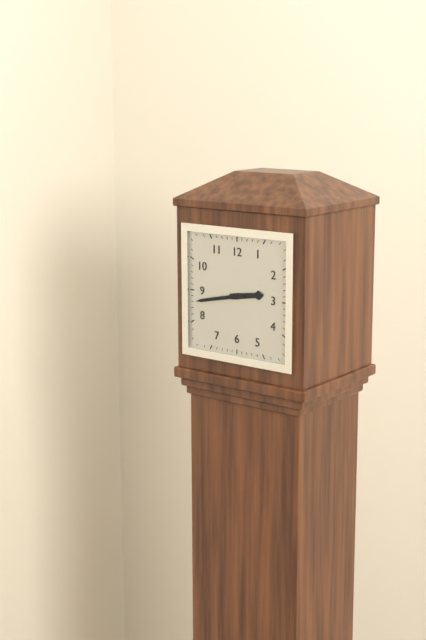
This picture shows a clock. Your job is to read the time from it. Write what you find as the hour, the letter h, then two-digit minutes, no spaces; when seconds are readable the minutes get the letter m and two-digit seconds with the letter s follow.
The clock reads 2h43
